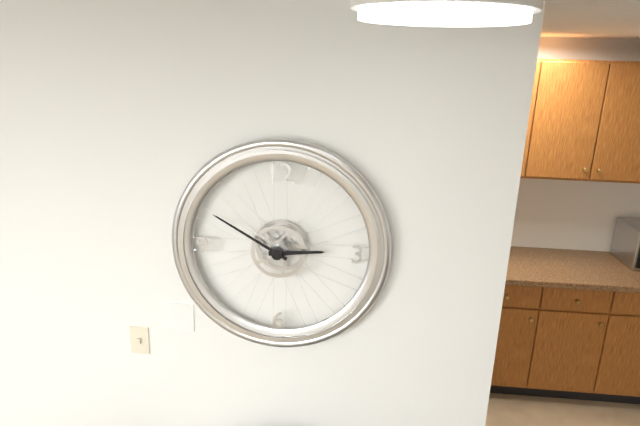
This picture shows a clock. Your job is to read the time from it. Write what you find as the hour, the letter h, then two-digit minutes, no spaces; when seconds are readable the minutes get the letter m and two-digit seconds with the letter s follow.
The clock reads 2h50
